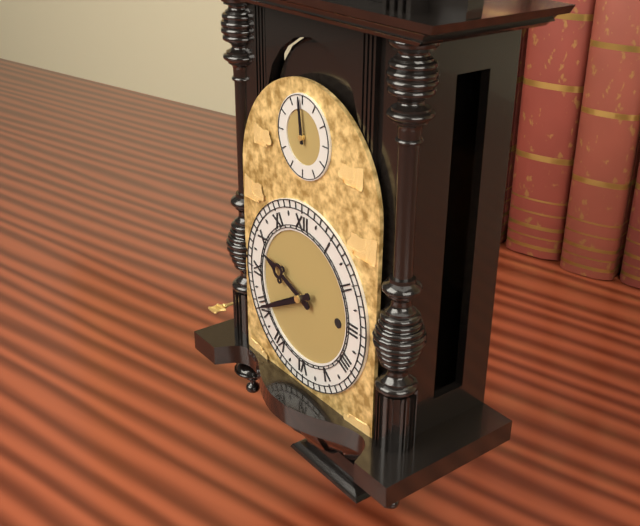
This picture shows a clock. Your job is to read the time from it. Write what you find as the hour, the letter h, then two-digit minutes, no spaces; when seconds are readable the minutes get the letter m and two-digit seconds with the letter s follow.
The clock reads 9h40
